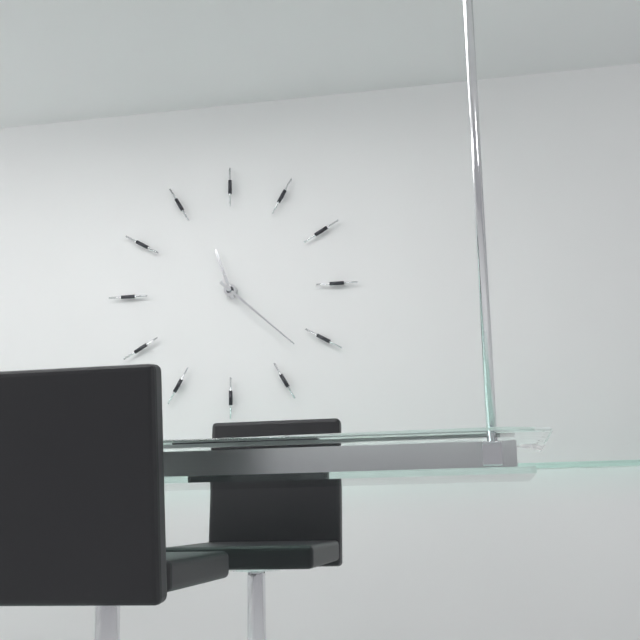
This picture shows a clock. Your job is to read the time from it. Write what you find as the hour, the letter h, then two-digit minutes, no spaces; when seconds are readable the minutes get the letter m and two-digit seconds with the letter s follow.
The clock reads 11h22
